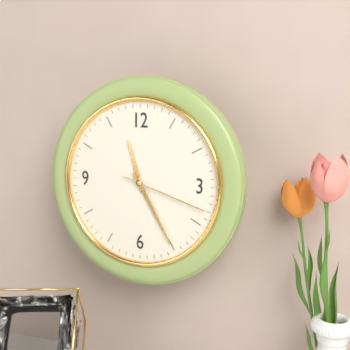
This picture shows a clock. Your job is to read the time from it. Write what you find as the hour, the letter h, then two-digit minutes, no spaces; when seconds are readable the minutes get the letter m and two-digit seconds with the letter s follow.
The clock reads 11h25m18s
